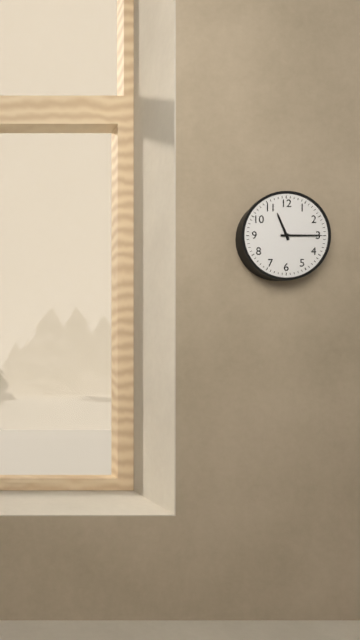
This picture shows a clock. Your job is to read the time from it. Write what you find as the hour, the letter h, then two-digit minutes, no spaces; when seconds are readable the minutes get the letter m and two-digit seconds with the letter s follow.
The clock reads 11h15
